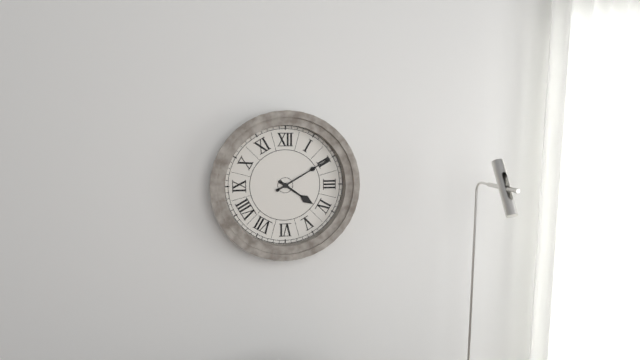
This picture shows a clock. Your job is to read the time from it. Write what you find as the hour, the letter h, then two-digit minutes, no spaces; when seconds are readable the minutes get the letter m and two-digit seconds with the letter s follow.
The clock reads 4h10
